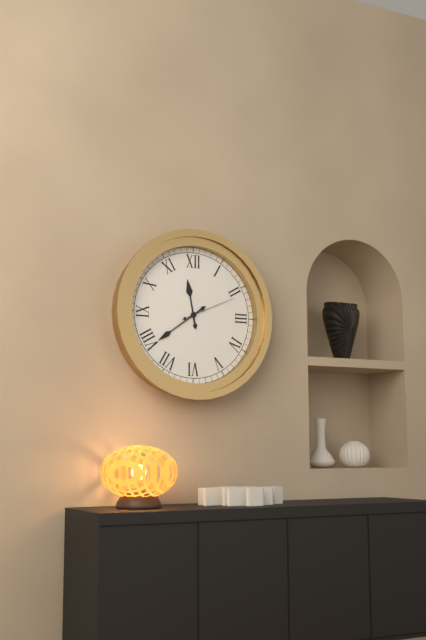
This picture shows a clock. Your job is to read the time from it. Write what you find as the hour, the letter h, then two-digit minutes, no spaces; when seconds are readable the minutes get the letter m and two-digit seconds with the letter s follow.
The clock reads 11h39m11s
